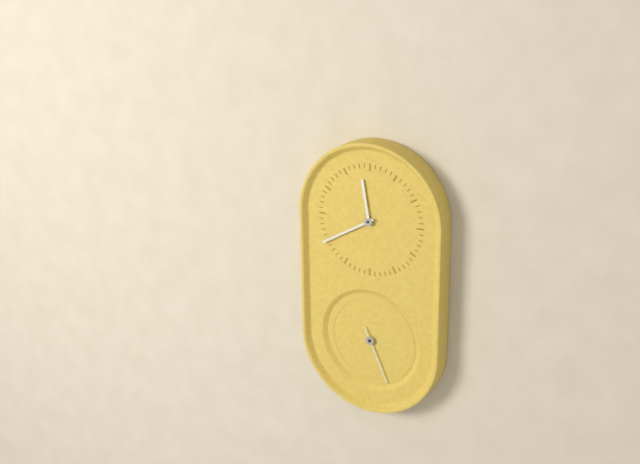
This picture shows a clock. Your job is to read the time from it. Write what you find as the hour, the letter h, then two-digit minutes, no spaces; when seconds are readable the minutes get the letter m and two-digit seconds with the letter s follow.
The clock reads 11h40m26s
